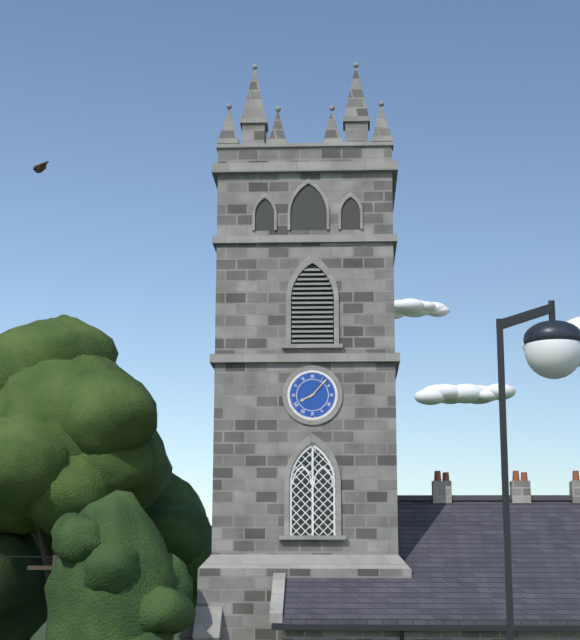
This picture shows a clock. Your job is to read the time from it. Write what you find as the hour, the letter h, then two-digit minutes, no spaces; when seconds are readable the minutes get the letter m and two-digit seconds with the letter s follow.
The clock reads 8h07
